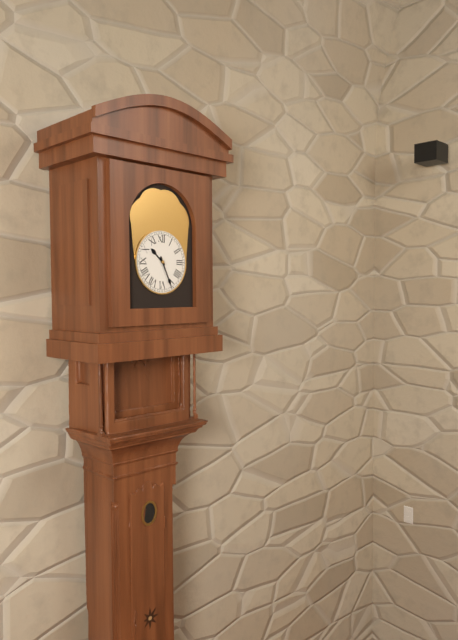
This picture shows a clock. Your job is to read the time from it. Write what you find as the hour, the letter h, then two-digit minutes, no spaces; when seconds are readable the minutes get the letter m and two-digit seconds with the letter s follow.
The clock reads 10h26
